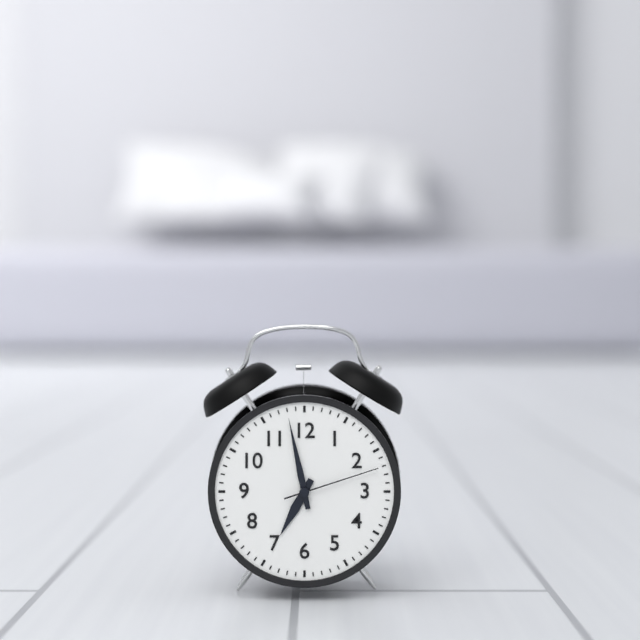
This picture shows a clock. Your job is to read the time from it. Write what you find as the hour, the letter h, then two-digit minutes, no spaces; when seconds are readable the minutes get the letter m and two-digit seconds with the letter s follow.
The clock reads 6h58m12s
